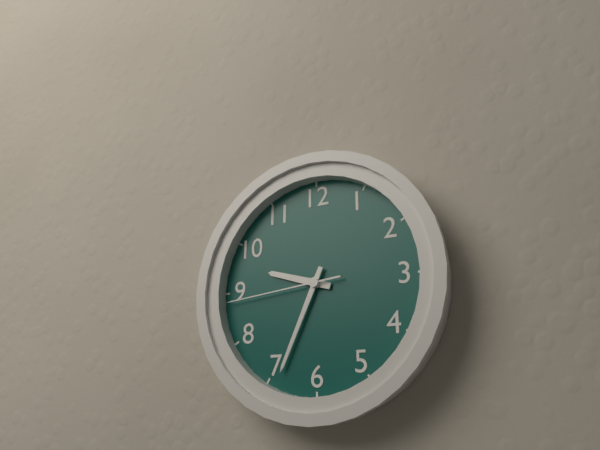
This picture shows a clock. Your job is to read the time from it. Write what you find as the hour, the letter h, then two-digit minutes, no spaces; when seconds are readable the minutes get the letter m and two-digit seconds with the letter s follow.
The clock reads 9h34m44s
